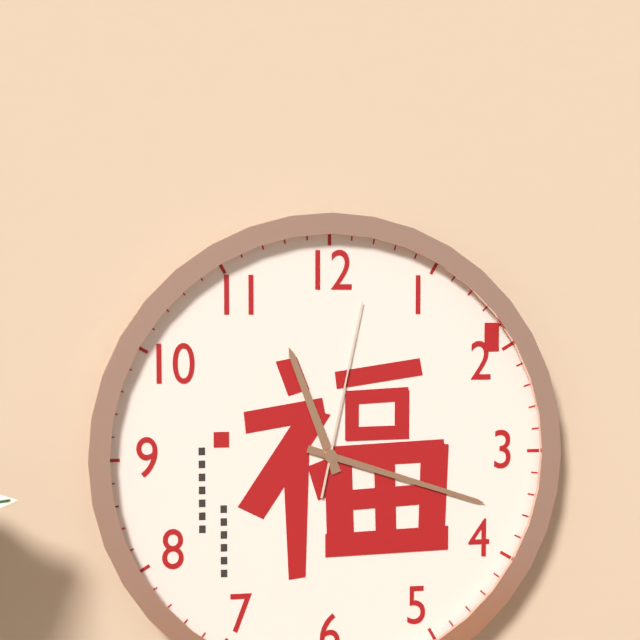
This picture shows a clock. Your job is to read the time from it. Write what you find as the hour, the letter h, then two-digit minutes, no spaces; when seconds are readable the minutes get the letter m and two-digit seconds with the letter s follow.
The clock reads 11h18m02s
